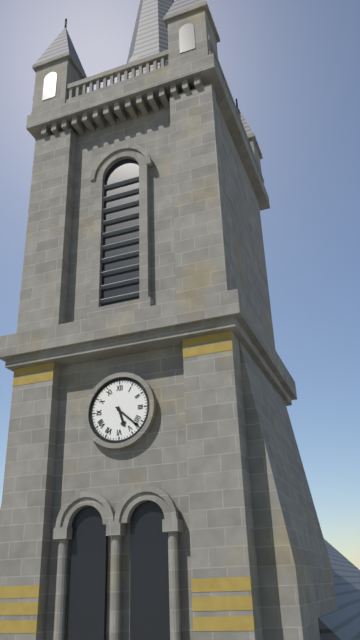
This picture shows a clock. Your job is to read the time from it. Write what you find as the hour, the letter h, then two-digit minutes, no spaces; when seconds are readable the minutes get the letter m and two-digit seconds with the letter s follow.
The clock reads 5h22
